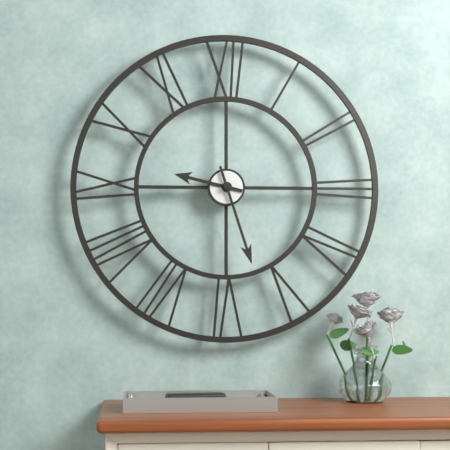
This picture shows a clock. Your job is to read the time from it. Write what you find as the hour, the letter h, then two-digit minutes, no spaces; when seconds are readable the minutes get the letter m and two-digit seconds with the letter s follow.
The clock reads 9h27
